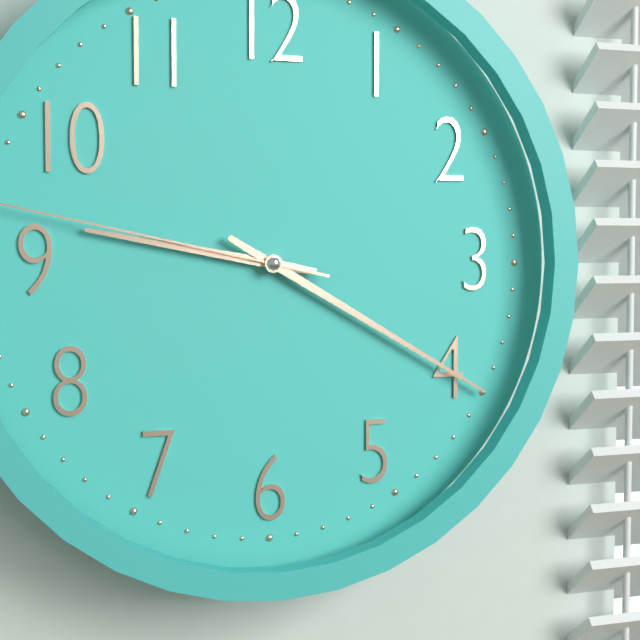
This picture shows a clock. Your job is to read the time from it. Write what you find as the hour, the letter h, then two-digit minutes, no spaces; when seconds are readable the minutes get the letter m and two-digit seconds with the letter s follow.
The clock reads 9h20
